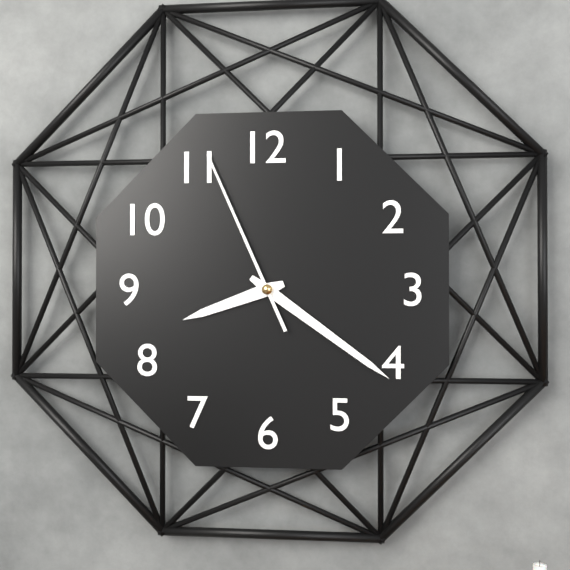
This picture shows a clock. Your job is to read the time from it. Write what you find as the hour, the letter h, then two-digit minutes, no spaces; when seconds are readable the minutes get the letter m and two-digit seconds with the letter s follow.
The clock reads 8h21m56s
